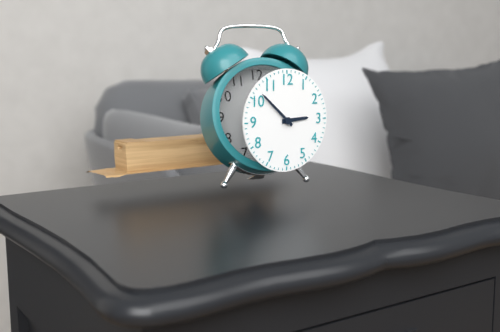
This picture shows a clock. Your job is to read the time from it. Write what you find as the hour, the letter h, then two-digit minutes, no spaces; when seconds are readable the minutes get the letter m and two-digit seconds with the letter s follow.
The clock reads 2h52
